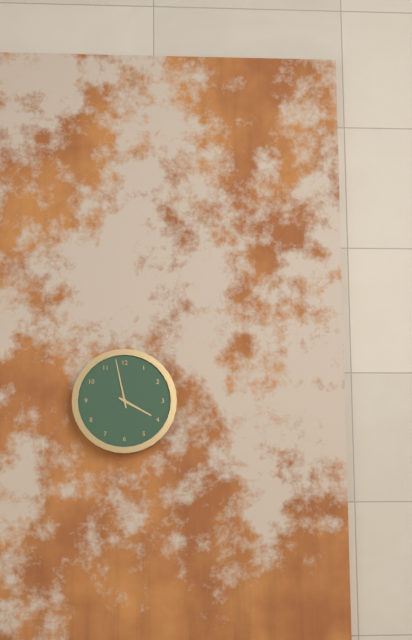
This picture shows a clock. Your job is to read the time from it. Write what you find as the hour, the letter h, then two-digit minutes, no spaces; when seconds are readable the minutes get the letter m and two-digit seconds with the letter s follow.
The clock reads 3h58
